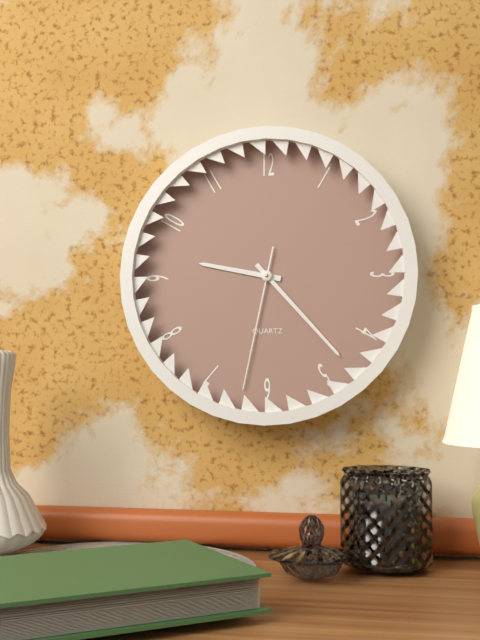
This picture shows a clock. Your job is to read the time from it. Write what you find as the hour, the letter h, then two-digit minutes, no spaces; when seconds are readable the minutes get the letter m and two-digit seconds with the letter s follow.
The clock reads 9h23m32s
